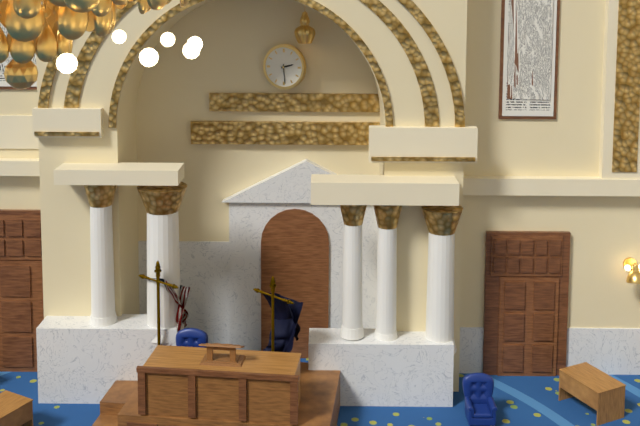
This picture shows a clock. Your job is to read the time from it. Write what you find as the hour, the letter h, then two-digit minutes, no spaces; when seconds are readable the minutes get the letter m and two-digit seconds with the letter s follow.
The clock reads 2h29
